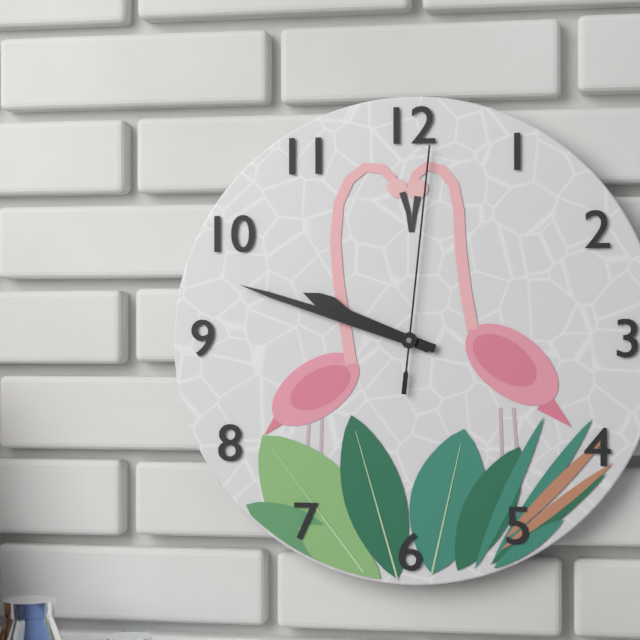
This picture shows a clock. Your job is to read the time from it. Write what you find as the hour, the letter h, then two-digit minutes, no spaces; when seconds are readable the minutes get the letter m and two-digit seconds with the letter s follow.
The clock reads 9h48m01s
